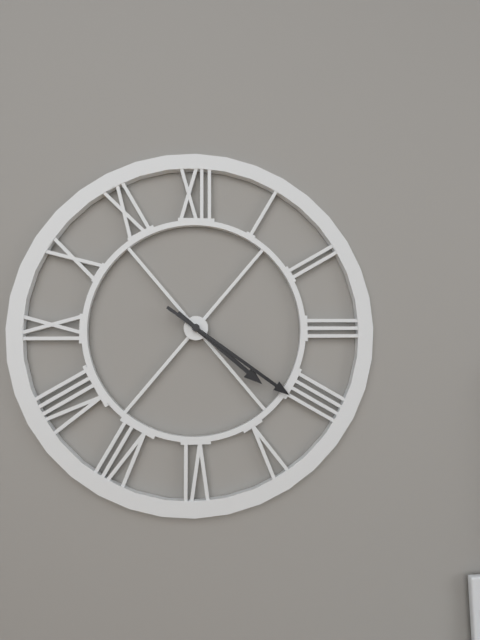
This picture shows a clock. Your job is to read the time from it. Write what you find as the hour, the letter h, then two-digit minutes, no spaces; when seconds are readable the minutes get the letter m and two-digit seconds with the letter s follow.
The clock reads 4h21
